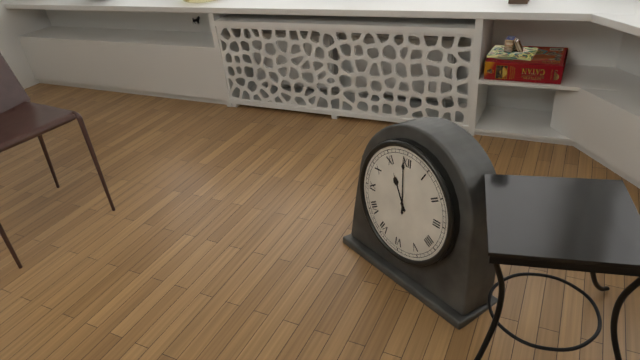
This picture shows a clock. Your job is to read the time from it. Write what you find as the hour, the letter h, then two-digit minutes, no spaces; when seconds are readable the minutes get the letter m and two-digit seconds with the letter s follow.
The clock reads 10h59
